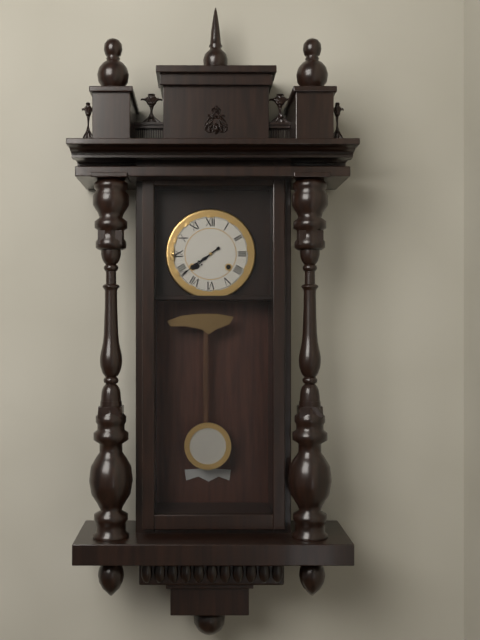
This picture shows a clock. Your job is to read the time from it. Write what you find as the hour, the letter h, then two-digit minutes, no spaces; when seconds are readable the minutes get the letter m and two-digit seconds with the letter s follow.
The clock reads 7h39
